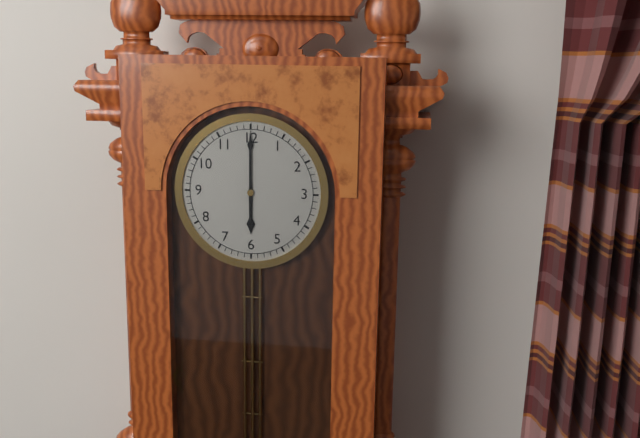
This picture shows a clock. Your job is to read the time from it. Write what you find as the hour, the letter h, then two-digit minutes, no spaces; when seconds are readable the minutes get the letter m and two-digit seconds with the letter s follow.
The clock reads 6h00
